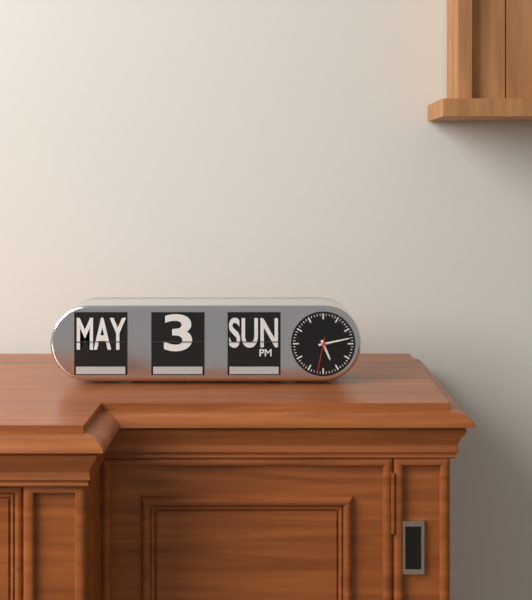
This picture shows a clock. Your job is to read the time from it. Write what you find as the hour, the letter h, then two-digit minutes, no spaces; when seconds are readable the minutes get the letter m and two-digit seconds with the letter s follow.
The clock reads 5h13
